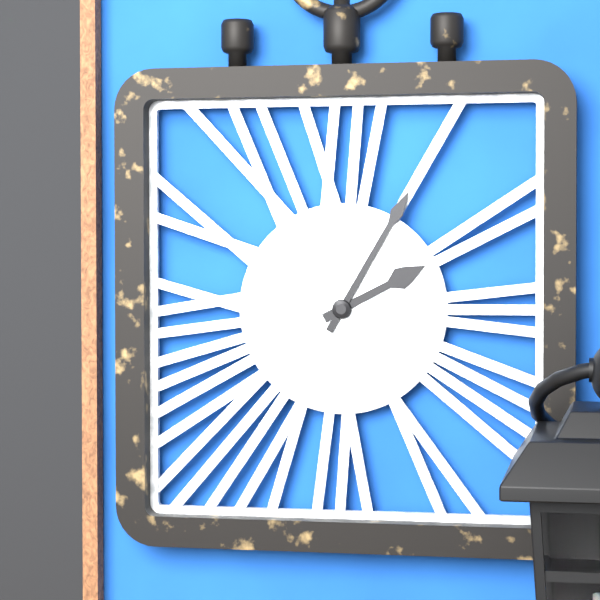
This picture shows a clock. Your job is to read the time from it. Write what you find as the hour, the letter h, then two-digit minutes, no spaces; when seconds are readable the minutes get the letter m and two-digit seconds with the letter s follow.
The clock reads 2h05
